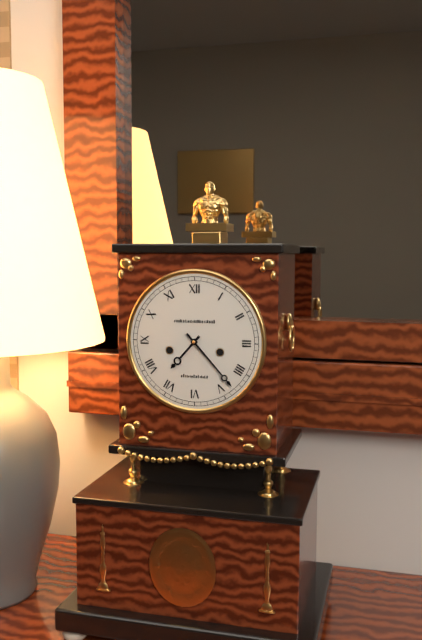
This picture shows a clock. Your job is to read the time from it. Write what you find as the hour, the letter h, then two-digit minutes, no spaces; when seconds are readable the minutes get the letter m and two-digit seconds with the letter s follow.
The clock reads 7h23
